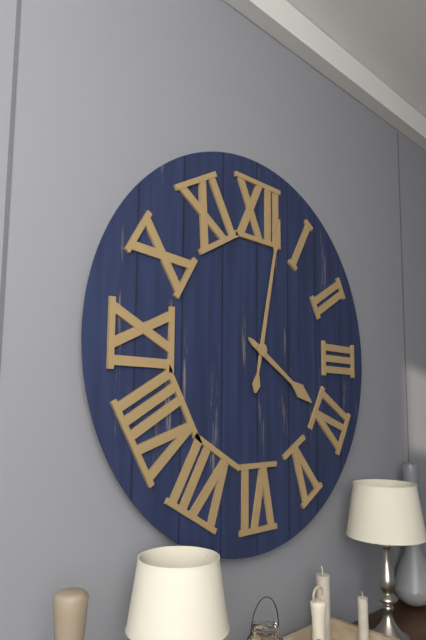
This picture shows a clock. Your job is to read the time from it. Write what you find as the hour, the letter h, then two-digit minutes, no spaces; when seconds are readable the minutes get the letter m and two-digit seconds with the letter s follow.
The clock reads 4h02
